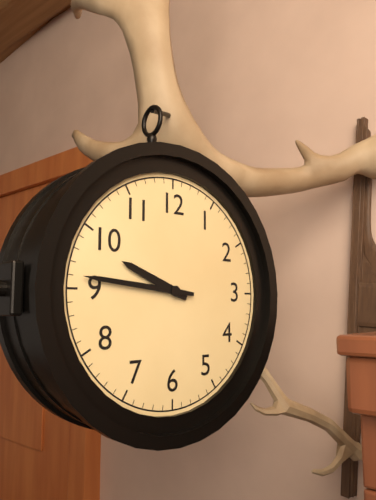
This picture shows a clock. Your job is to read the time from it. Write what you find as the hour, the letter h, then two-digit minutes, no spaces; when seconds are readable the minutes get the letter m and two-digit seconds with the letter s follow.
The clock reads 9h46
